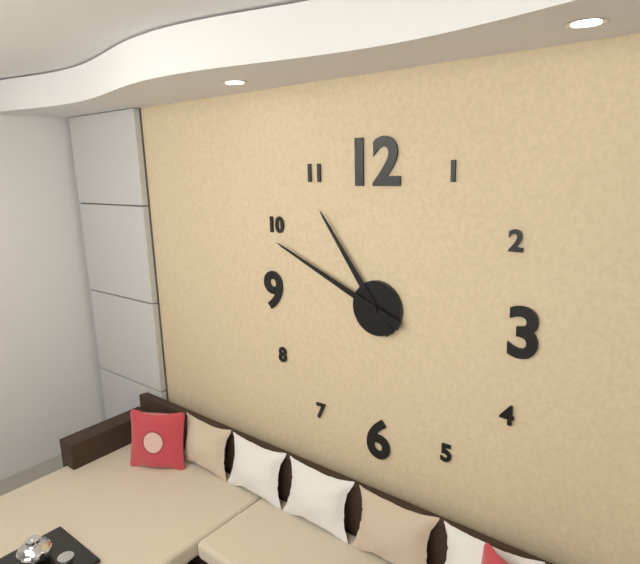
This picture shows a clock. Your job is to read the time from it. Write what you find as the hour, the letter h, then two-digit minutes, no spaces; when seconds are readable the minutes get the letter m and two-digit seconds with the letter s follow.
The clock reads 10h49
